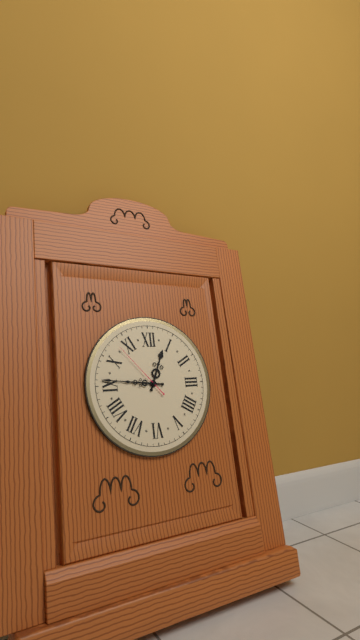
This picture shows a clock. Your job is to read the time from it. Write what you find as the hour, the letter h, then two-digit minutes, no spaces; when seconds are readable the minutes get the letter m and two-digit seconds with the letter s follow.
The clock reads 12h46m53s
